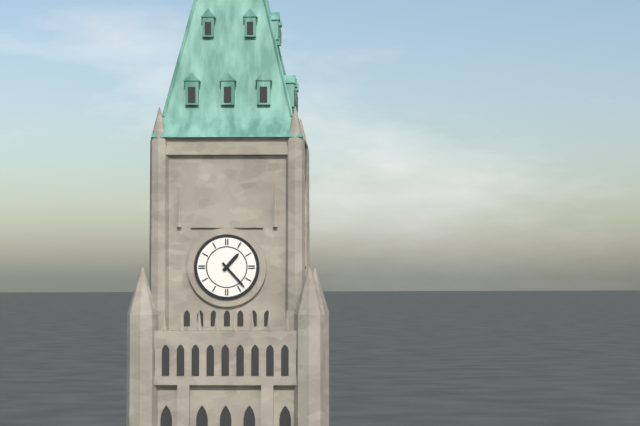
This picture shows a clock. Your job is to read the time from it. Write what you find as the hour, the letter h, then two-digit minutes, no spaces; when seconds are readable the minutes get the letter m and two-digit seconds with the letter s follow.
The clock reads 1h23
